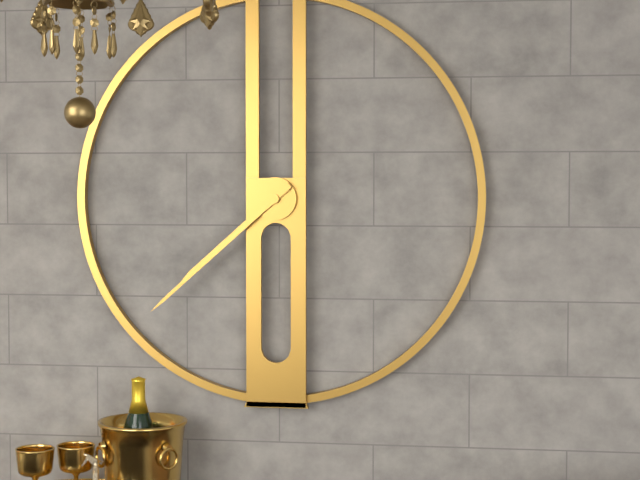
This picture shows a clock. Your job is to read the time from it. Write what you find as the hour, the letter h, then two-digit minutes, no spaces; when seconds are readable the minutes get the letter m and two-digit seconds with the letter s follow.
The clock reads 7h38
